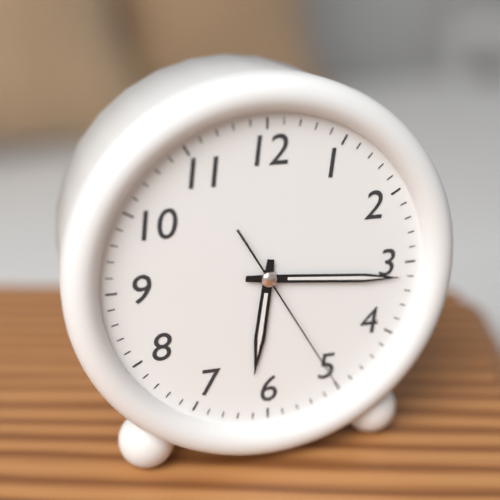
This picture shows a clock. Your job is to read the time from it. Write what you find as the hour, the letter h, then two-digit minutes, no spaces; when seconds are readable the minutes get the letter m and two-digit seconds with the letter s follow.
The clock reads 6h16m25s
